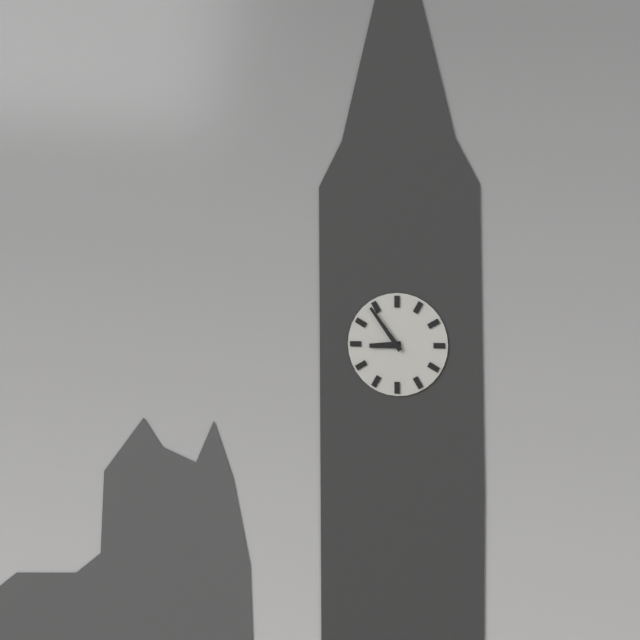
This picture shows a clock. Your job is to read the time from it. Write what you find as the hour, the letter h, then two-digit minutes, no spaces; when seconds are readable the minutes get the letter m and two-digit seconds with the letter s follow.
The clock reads 8h54
